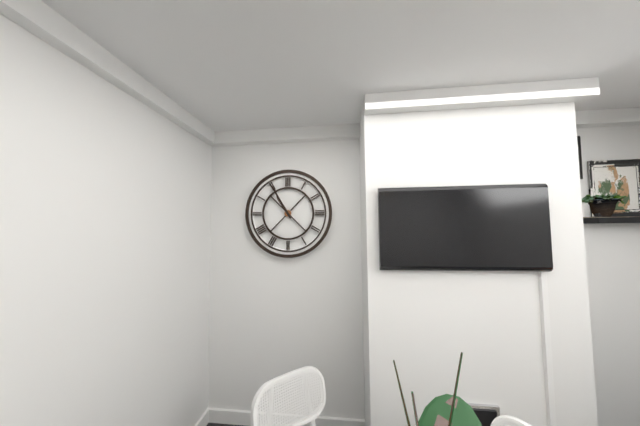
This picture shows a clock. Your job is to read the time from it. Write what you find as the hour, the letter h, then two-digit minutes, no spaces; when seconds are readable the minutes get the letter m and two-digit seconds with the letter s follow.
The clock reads 10h55
